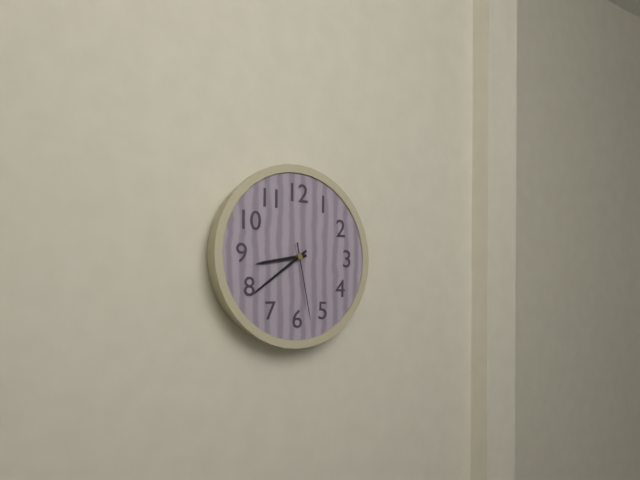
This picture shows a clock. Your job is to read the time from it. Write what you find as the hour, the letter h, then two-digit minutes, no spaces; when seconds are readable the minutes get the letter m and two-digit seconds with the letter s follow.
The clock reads 8h39m28s
